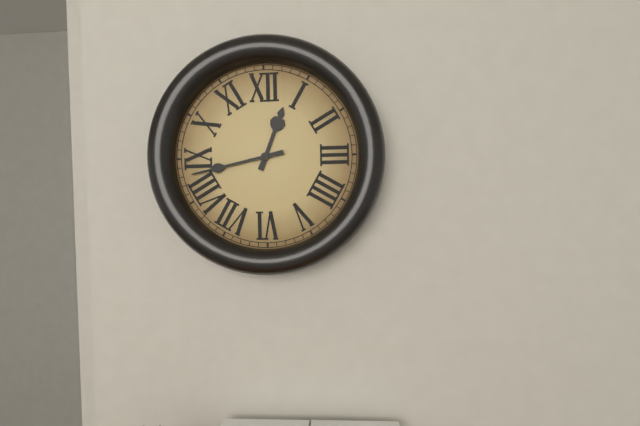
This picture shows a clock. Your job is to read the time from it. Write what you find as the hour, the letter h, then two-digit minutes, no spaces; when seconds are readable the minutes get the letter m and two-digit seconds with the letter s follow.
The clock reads 12h43
